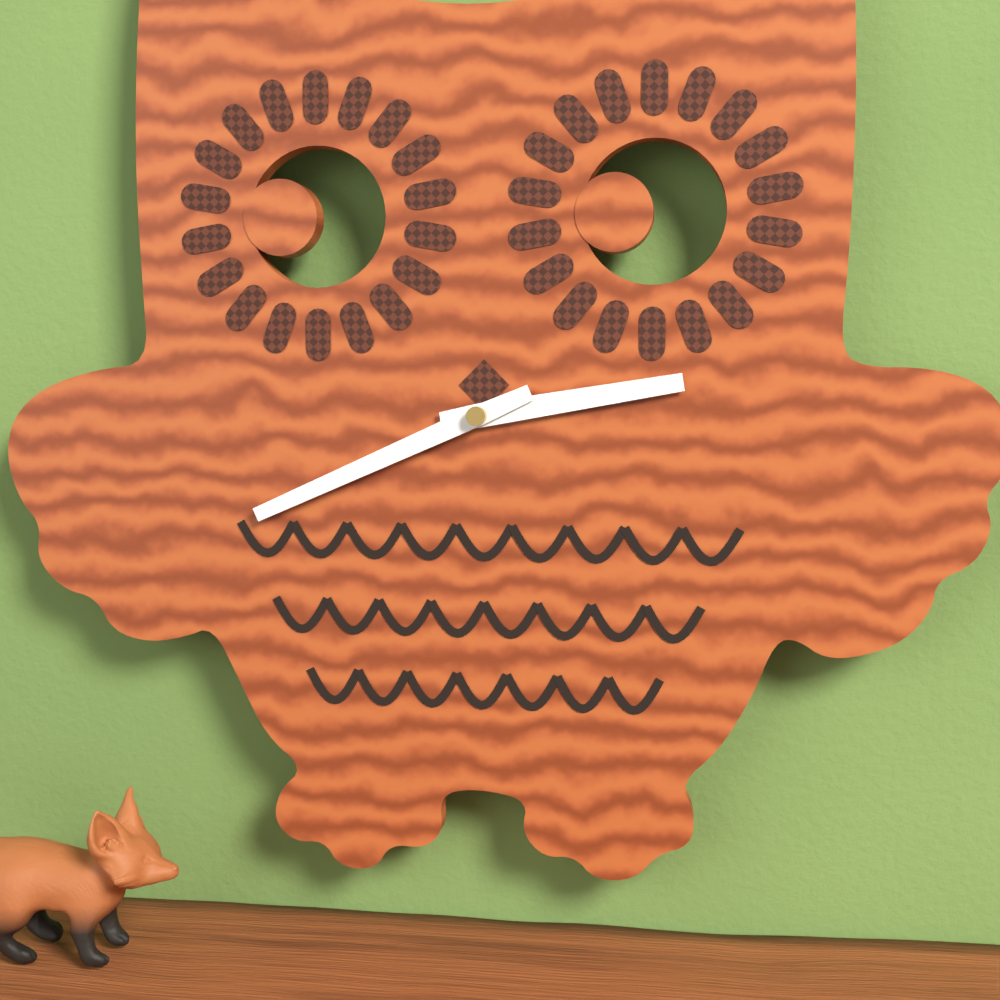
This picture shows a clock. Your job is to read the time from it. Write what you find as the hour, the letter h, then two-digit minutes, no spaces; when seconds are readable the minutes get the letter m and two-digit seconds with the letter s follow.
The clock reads 2h41
